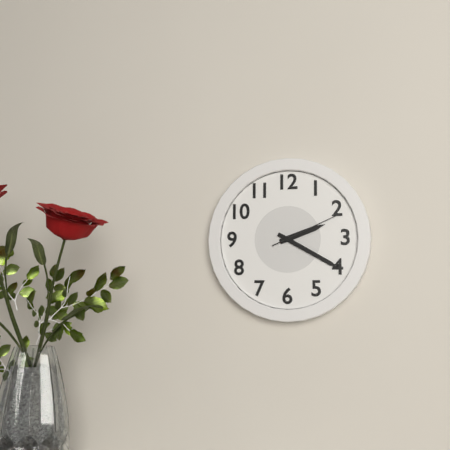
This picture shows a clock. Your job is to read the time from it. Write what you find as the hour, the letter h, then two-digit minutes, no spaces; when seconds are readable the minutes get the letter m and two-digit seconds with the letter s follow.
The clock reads 2h20m11s
